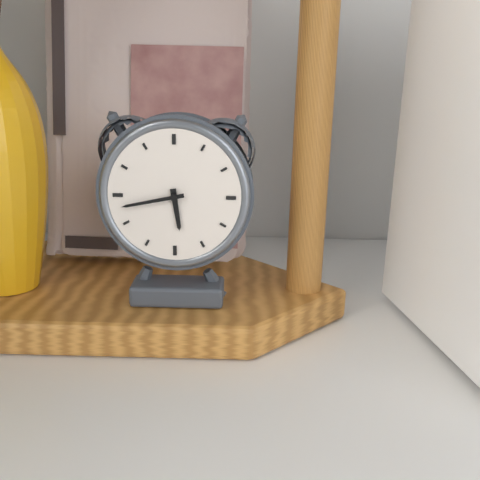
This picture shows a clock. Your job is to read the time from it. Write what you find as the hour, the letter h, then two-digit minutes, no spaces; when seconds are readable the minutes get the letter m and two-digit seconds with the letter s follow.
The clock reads 5h43
